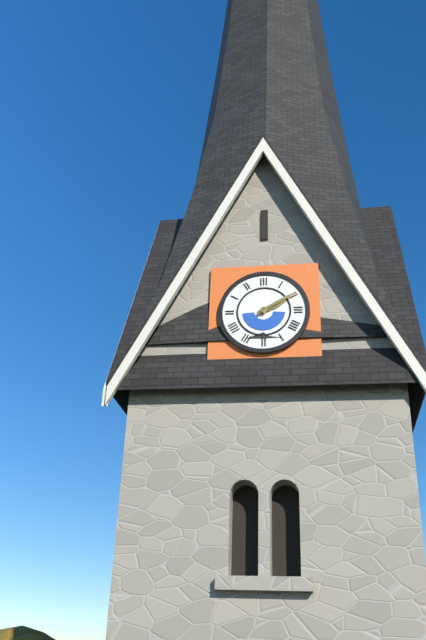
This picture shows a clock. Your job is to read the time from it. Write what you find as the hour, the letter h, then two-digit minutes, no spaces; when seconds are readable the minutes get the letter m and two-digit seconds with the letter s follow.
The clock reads 2h10
